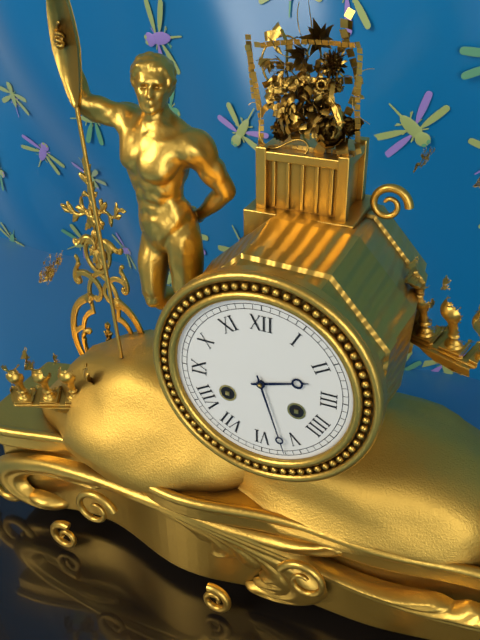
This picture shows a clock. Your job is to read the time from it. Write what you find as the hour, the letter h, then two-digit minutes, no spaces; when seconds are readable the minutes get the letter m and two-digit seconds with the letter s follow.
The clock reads 2h27
